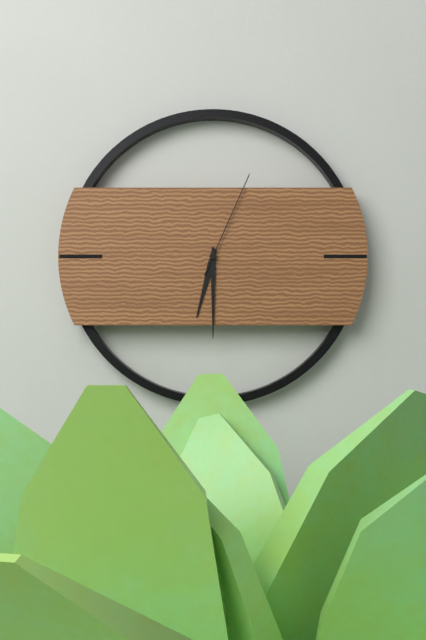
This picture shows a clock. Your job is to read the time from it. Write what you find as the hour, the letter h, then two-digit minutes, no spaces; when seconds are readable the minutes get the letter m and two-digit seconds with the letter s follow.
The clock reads 6h30m04s
